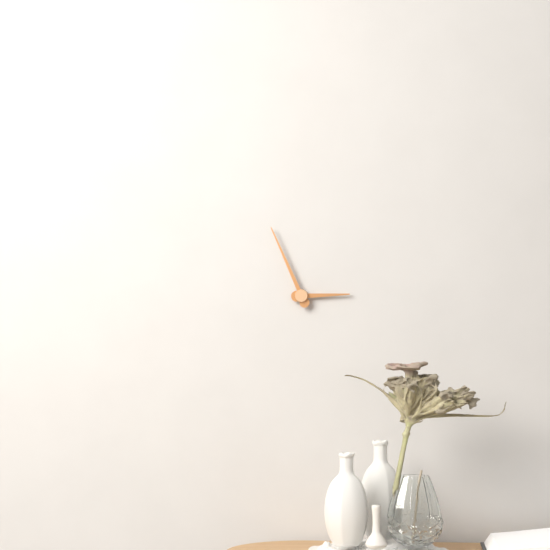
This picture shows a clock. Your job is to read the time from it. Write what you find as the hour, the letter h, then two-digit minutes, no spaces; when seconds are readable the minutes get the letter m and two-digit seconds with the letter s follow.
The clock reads 2h56
